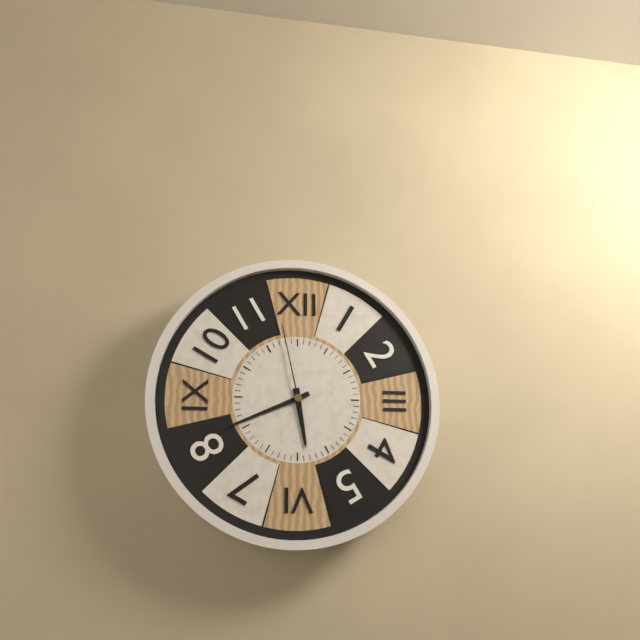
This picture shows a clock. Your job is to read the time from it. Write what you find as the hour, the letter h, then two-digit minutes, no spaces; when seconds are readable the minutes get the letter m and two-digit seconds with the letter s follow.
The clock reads 5h41m58s
